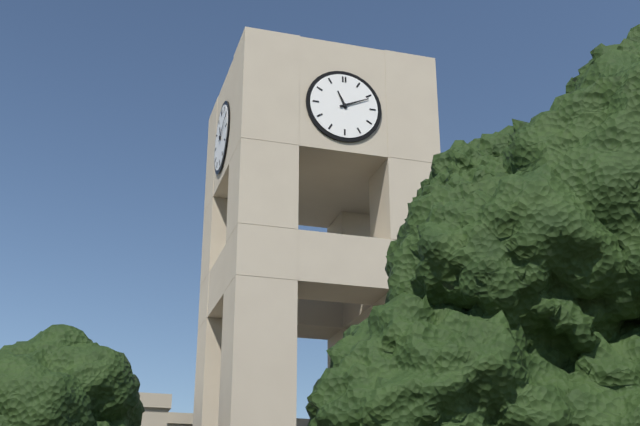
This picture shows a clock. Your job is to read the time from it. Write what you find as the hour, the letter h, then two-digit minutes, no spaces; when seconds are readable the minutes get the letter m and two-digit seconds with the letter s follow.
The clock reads 11h11
